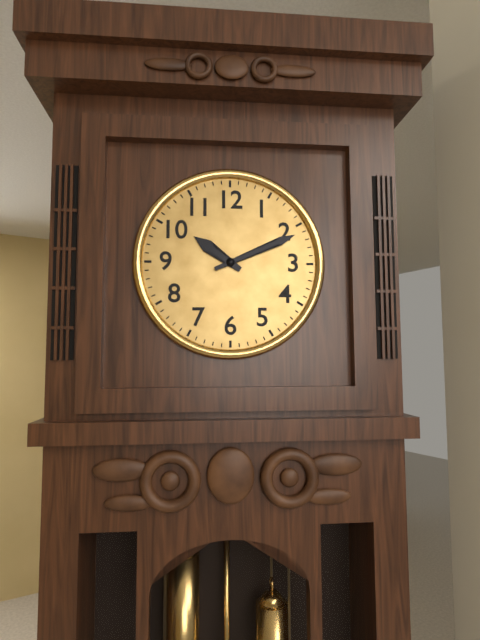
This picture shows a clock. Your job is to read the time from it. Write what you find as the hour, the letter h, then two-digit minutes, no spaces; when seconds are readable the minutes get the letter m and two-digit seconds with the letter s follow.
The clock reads 10h11
